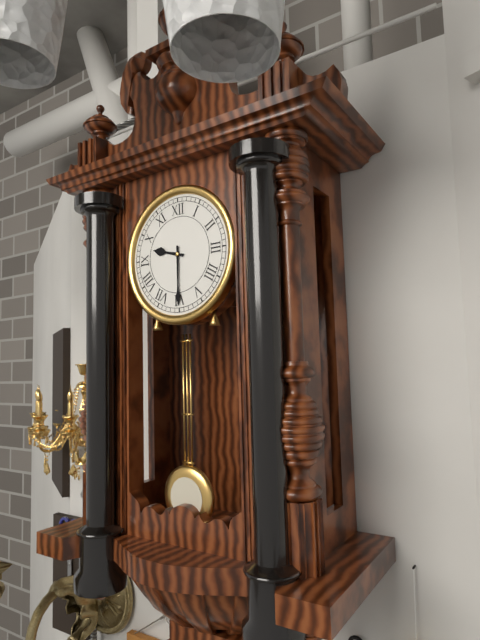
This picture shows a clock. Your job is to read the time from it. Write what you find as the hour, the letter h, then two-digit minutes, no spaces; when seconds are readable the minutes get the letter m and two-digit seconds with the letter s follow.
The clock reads 9h30
